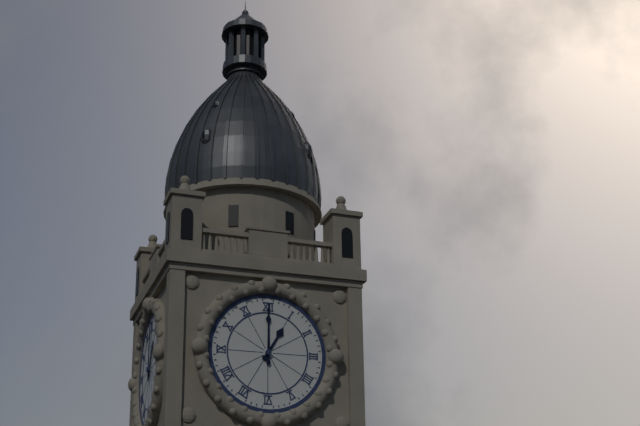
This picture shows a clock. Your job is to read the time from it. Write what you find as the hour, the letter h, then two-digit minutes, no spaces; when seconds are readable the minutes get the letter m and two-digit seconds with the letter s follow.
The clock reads 1h00
